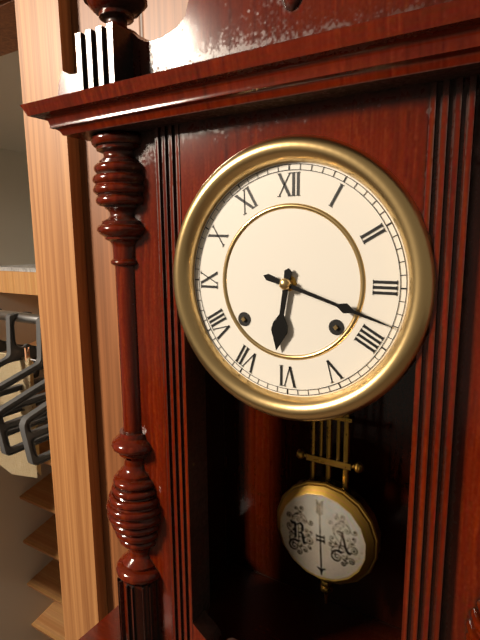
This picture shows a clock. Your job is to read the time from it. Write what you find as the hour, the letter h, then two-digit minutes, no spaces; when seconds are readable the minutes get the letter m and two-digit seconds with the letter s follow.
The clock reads 6h18
